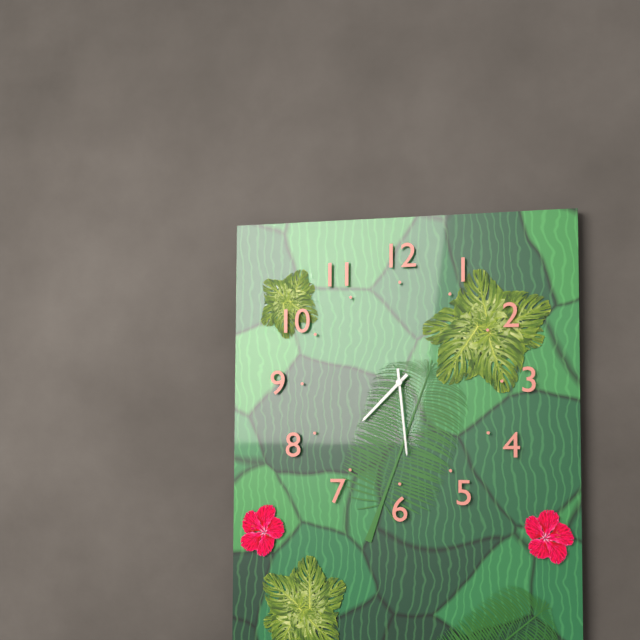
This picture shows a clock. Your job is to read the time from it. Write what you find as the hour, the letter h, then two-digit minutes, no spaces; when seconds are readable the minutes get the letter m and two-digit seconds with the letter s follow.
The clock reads 7h29
